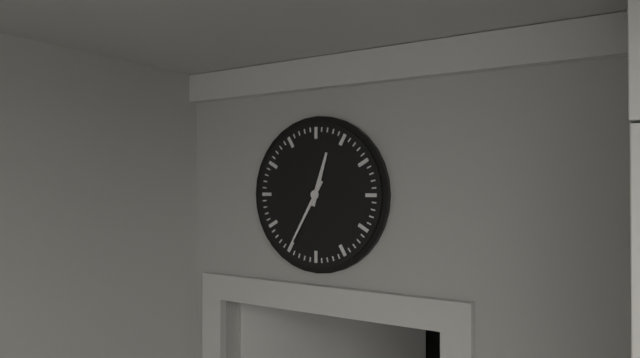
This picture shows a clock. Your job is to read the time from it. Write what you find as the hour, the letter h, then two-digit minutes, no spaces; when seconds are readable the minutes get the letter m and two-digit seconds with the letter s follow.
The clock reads 12h35
